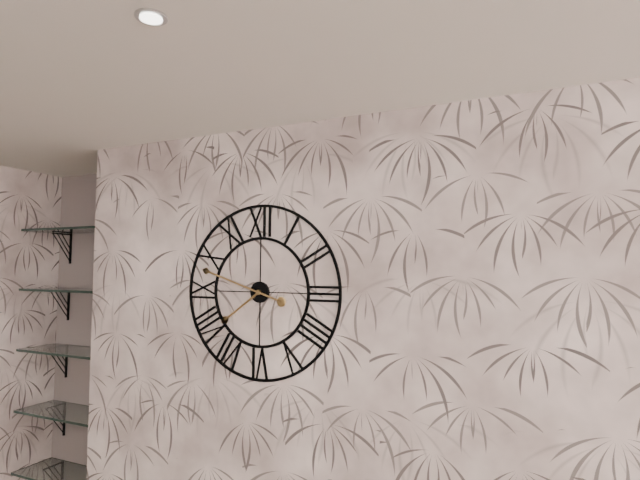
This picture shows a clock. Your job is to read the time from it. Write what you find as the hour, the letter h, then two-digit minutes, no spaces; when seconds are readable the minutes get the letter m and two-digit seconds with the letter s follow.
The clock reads 7h48
